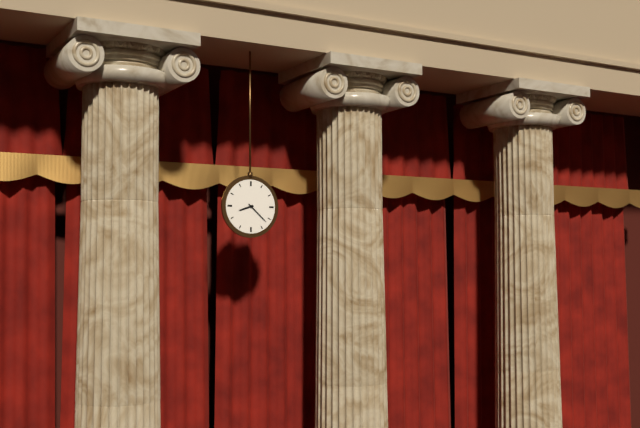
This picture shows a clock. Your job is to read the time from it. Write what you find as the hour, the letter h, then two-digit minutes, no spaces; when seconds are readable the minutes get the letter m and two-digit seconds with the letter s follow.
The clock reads 8h22
